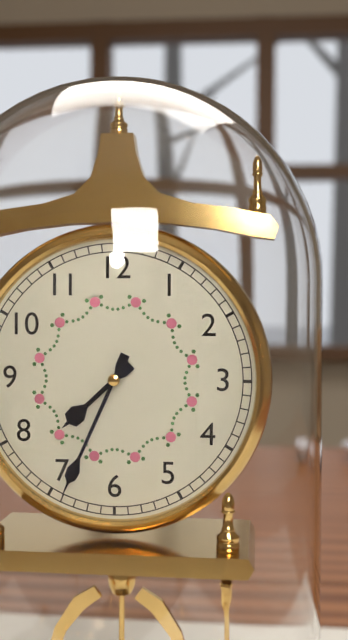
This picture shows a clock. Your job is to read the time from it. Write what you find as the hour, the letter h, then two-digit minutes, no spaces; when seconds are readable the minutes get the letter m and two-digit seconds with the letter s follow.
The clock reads 7h34
